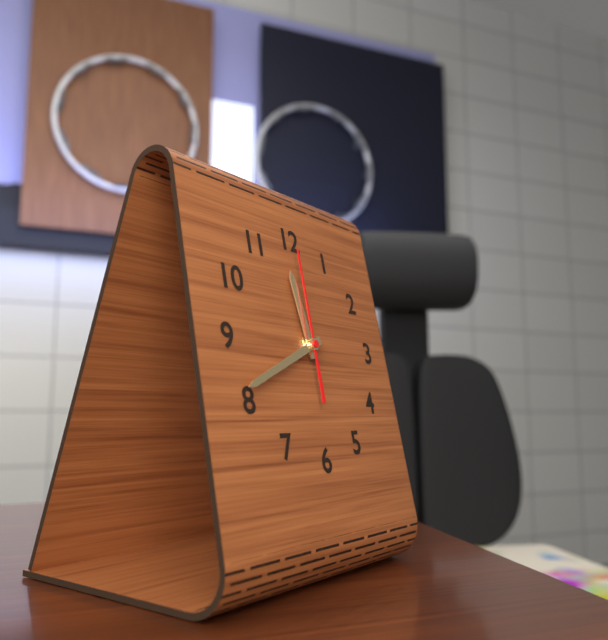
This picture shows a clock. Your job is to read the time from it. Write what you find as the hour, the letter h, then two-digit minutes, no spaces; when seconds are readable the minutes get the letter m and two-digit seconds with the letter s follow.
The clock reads 11h41m00s
